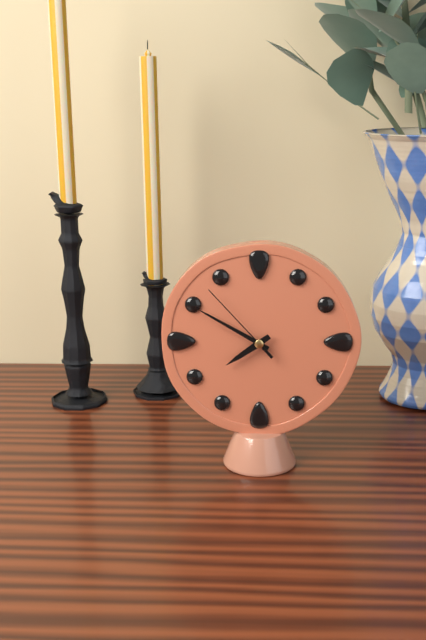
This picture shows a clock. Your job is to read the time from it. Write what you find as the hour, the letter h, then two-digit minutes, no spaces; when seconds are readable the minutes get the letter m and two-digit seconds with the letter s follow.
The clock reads 7h50m53s
